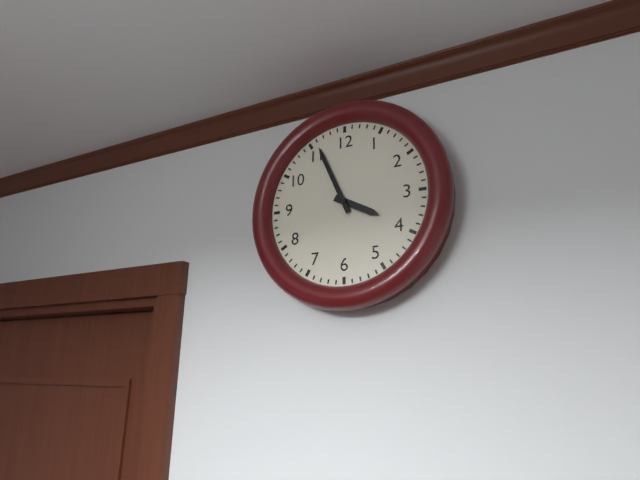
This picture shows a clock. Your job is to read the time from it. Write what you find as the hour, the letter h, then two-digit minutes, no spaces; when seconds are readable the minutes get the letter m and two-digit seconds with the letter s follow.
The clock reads 3h56
